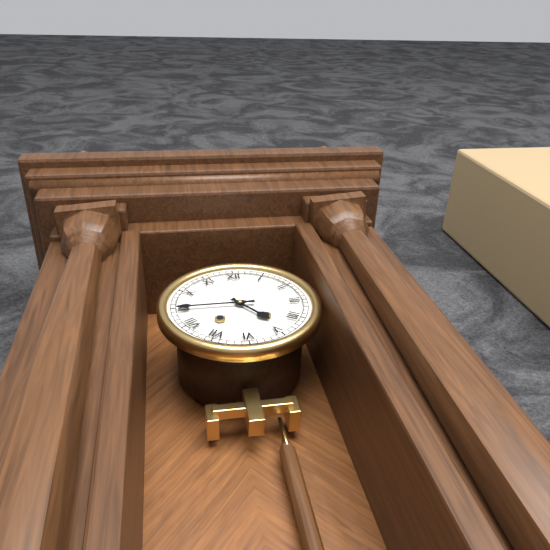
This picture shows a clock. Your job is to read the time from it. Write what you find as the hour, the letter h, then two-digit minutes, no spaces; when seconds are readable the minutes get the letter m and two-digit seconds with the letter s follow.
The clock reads 4h45
